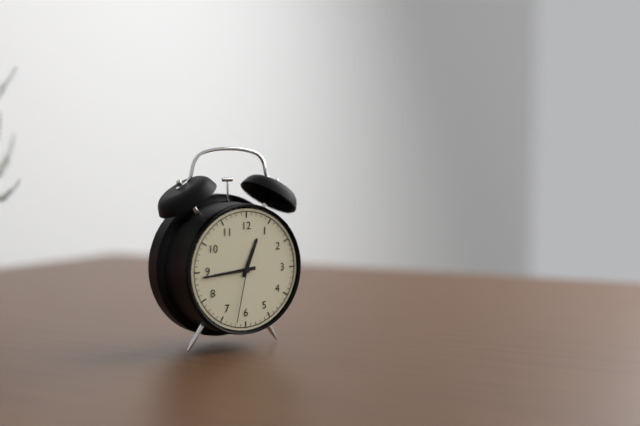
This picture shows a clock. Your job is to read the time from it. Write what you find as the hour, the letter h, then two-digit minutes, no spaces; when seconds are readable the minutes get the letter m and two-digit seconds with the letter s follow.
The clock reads 12h44m32s
